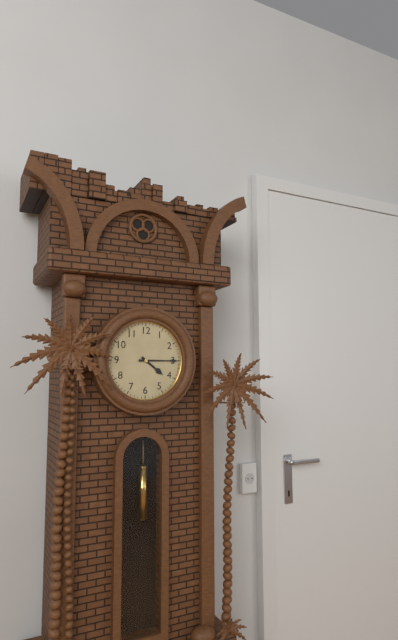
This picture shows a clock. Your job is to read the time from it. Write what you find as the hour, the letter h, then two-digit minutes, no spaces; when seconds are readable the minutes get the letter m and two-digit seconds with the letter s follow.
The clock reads 4h15
